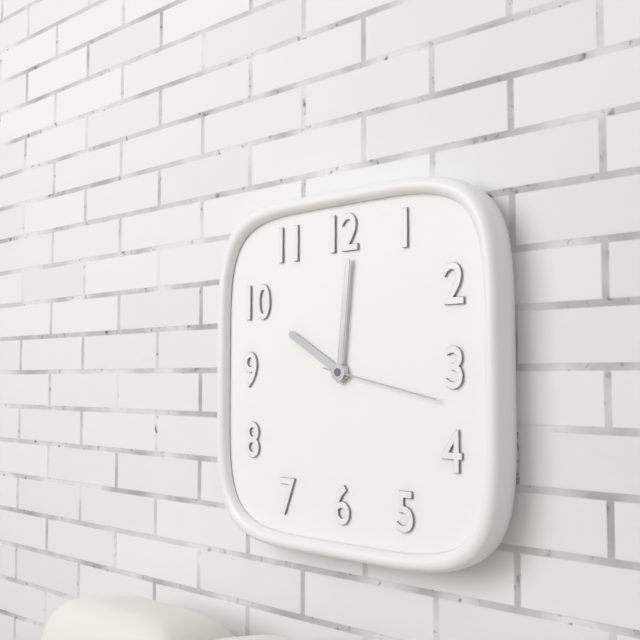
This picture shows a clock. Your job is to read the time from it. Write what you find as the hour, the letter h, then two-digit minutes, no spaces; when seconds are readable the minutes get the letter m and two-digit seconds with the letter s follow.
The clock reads 10h01m17s
